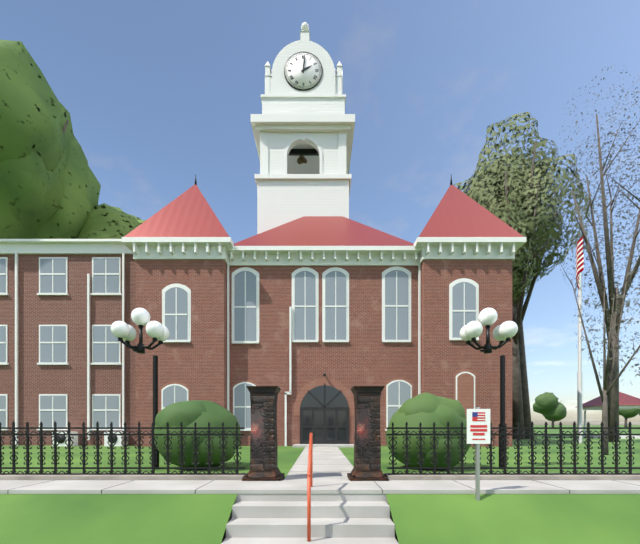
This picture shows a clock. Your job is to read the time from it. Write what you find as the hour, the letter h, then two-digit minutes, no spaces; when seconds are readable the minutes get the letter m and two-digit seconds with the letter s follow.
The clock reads 2h01
